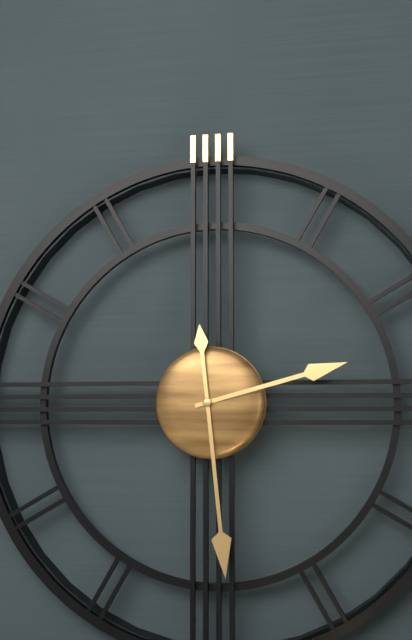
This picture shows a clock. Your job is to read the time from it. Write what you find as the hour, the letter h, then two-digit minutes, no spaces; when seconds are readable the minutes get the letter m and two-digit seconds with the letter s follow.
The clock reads 2h29
